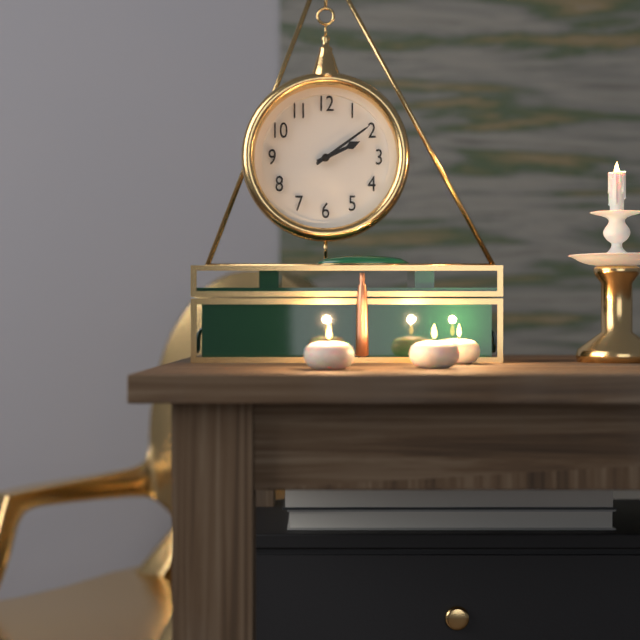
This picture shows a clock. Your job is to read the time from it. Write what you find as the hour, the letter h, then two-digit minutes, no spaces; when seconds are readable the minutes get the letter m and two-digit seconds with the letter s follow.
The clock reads 2h09
